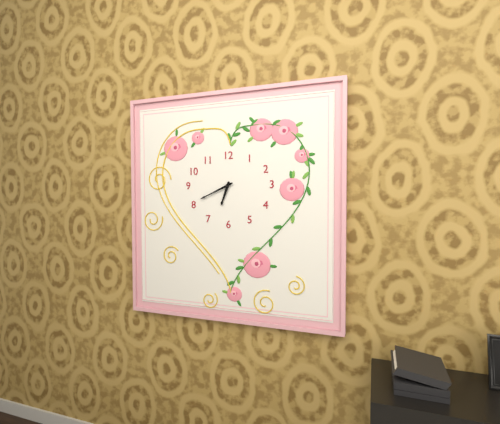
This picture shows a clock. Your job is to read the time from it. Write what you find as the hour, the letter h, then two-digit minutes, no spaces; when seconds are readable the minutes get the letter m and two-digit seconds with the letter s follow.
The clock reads 6h41
